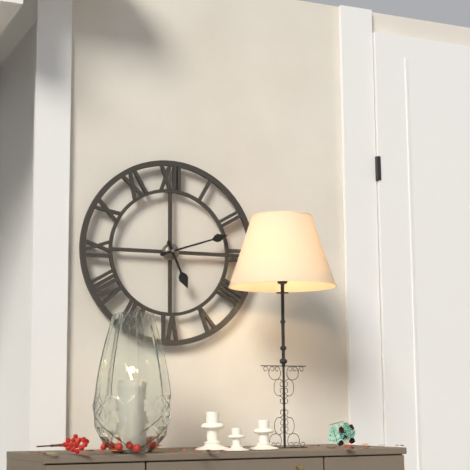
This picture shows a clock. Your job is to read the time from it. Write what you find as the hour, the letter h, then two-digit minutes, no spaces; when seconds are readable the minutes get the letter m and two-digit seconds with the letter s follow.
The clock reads 5h12
